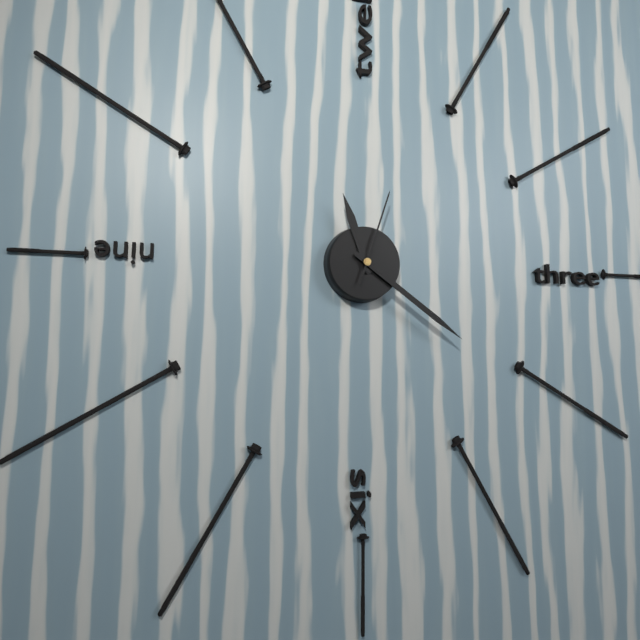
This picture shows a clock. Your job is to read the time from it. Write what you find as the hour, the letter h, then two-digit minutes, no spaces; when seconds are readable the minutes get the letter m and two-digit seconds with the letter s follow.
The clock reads 11h21m03s
